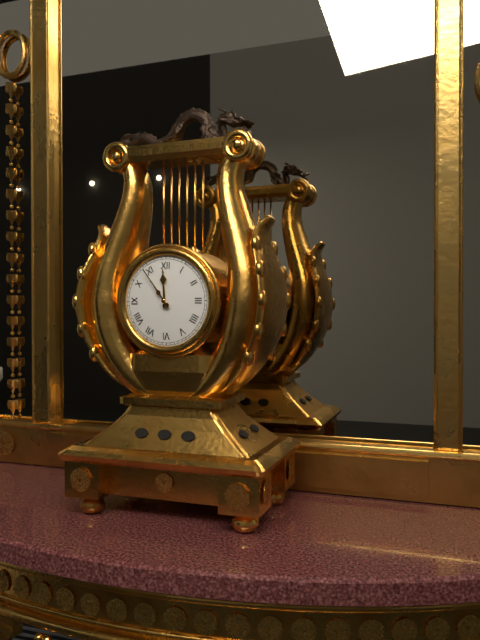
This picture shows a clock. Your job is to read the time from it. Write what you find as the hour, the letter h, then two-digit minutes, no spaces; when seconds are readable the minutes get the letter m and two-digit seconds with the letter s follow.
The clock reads 11h54
